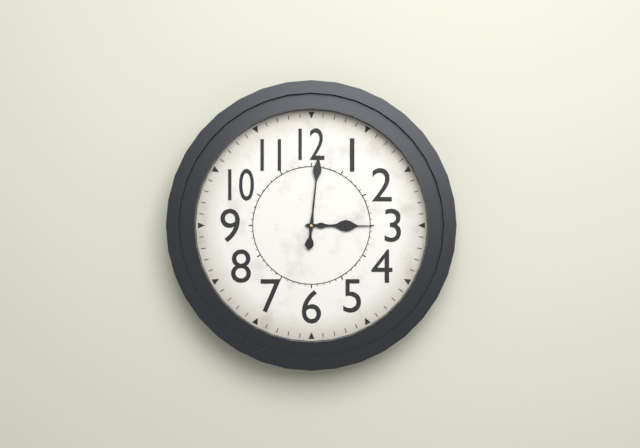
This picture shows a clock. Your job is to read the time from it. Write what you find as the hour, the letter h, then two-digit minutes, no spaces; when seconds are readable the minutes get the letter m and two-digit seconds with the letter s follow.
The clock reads 3h01
